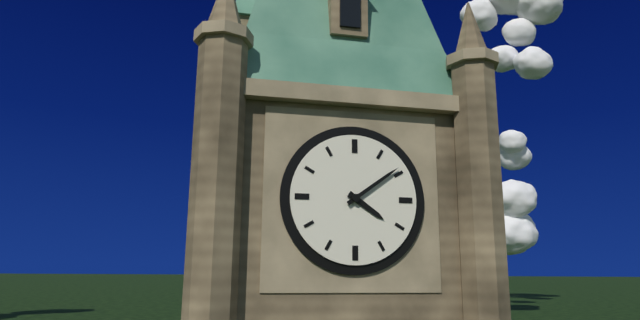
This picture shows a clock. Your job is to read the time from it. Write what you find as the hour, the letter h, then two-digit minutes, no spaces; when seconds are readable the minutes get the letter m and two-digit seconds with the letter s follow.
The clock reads 4h09
